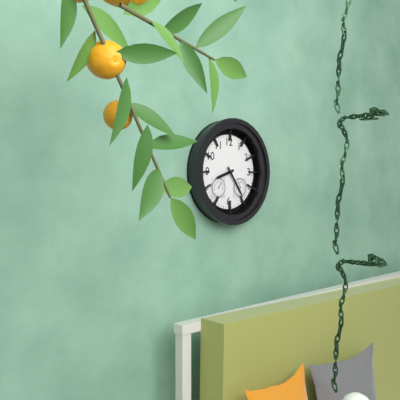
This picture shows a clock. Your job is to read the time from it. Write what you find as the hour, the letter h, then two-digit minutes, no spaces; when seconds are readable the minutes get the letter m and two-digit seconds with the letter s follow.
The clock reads 8h24
